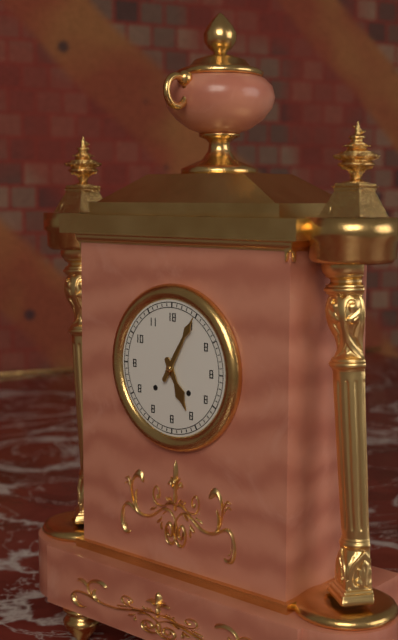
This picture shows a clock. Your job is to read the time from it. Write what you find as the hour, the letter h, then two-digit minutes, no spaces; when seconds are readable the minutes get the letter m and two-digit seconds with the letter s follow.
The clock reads 5h05
